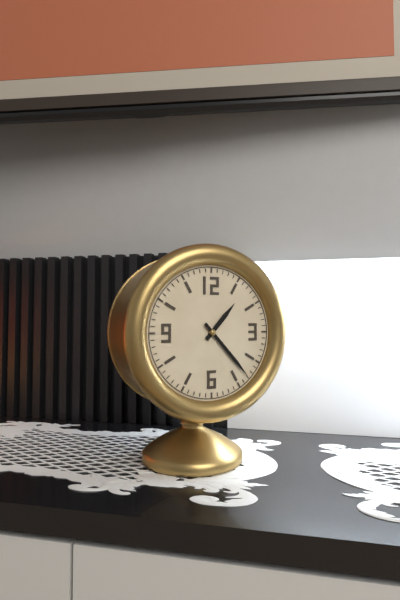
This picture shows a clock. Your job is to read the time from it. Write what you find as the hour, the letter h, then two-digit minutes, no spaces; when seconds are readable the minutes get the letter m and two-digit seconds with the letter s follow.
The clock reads 1h23
